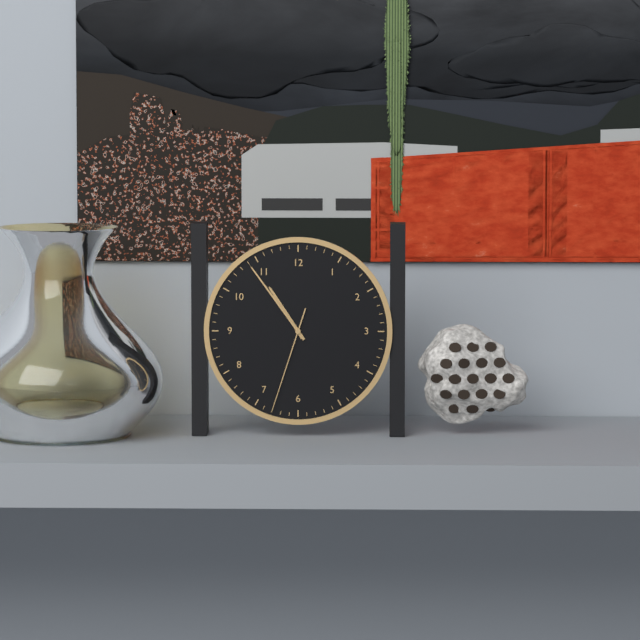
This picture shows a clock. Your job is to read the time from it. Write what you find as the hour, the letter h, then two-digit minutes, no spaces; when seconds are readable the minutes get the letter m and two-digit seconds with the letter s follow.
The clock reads 10h54m33s
